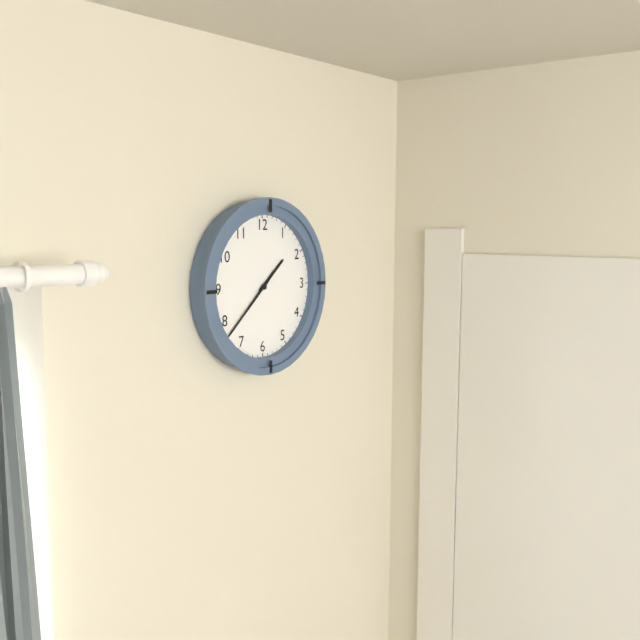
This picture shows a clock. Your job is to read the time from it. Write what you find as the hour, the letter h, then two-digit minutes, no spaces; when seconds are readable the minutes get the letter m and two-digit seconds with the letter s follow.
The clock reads 1h38
